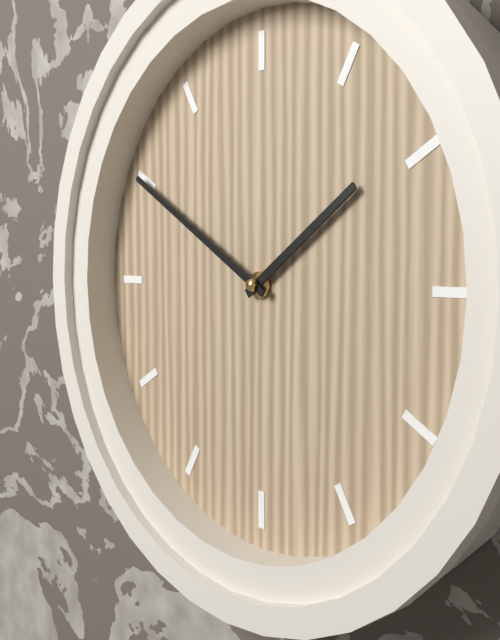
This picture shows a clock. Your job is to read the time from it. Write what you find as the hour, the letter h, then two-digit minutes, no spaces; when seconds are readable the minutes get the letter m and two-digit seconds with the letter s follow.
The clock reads 1h50
